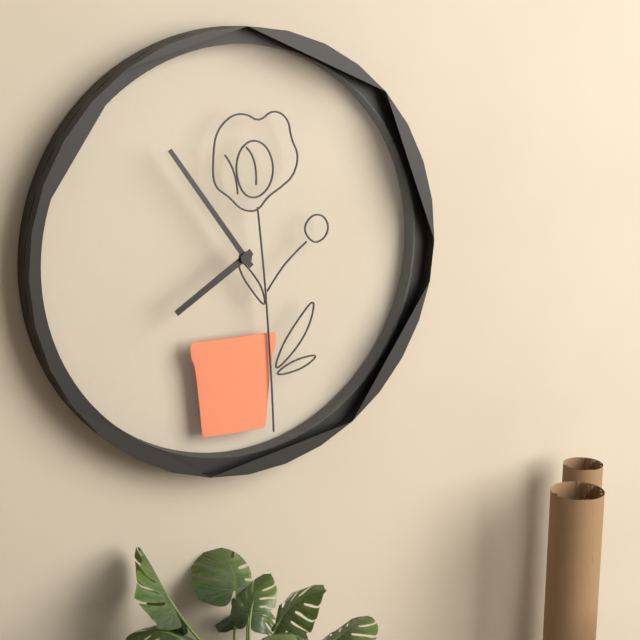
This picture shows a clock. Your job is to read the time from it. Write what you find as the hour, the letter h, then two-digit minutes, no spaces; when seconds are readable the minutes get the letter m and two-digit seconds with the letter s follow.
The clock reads 7h54
